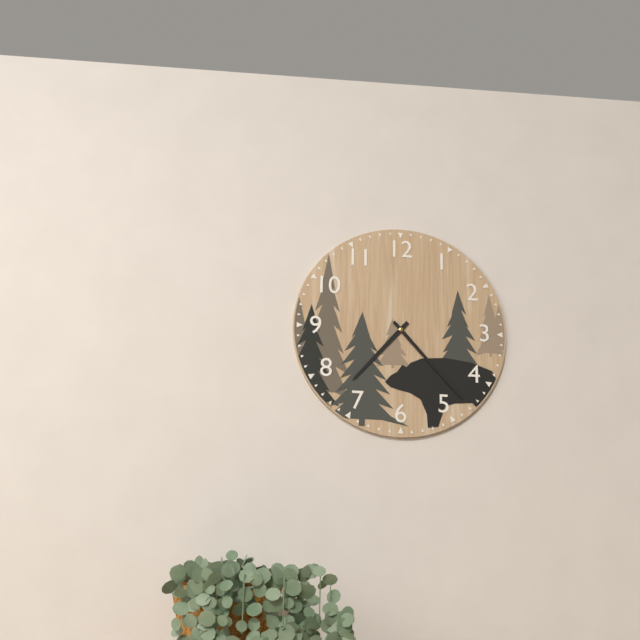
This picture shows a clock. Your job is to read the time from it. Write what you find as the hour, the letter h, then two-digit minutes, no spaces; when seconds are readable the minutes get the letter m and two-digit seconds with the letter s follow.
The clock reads 7h23
